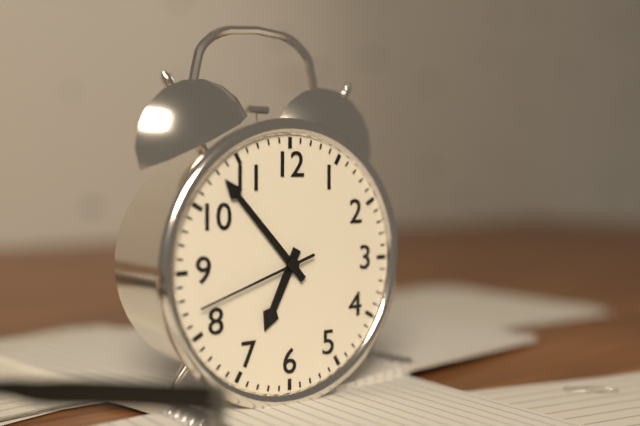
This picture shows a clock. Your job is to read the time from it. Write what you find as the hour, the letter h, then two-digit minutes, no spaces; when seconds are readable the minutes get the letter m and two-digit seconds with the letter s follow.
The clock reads 6h53m42s
